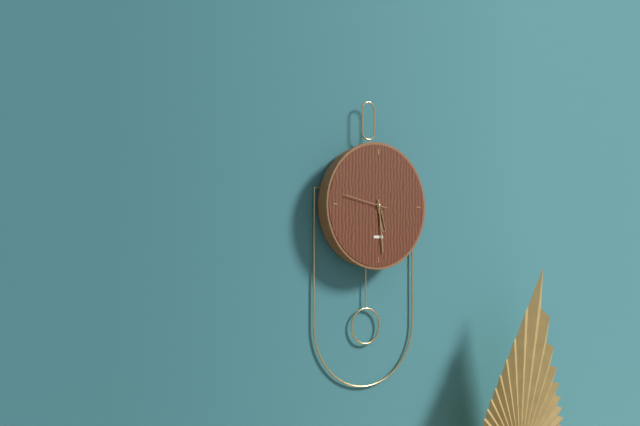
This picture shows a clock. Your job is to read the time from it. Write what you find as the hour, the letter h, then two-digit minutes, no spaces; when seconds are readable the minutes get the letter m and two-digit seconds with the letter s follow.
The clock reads 5h29
